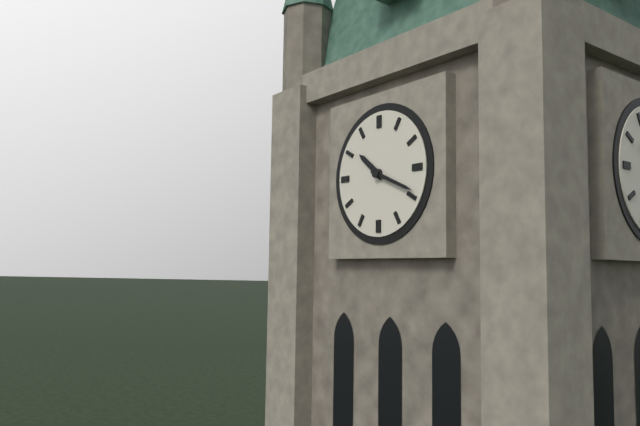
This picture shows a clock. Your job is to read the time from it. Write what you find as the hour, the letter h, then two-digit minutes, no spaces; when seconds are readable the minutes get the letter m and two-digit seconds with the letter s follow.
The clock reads 10h19
